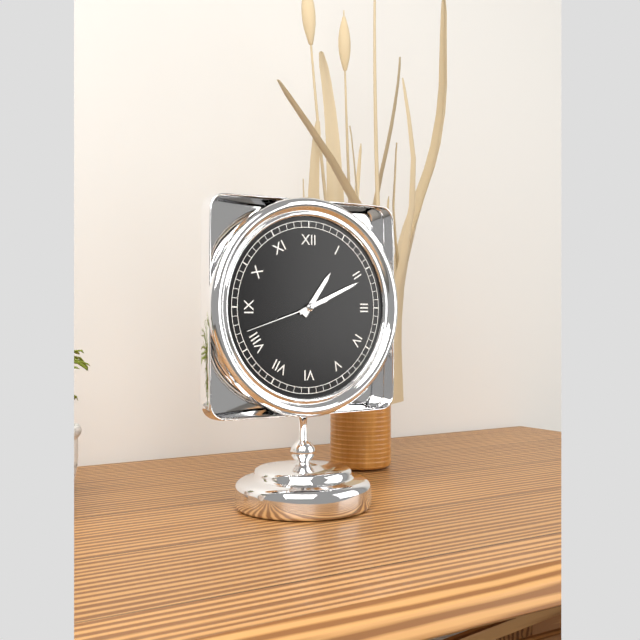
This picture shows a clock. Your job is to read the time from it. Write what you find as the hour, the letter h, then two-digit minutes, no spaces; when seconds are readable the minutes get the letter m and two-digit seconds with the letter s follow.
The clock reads 1h11m42s
